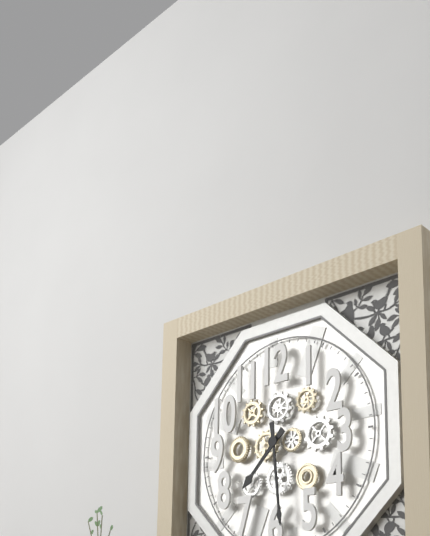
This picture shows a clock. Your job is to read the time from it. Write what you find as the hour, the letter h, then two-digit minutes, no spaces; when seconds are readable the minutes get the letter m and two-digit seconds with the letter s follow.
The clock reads 7h29
